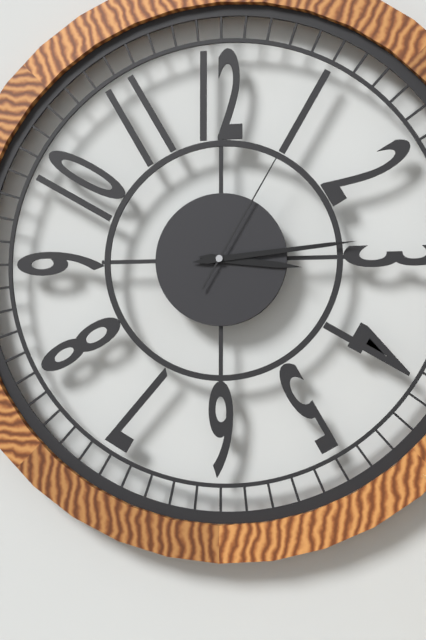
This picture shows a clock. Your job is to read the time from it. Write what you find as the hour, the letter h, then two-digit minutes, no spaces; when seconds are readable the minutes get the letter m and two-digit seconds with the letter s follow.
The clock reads 3h14m05s
